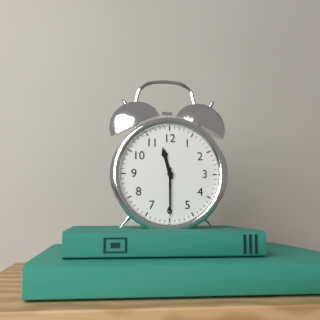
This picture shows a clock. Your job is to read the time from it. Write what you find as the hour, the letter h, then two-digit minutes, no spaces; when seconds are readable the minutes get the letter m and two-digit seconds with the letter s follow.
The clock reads 11h30
